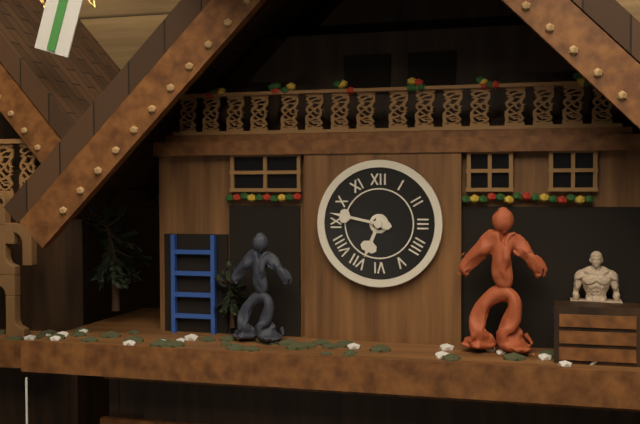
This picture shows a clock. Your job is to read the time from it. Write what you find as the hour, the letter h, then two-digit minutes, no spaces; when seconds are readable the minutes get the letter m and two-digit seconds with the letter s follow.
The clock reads 6h47
